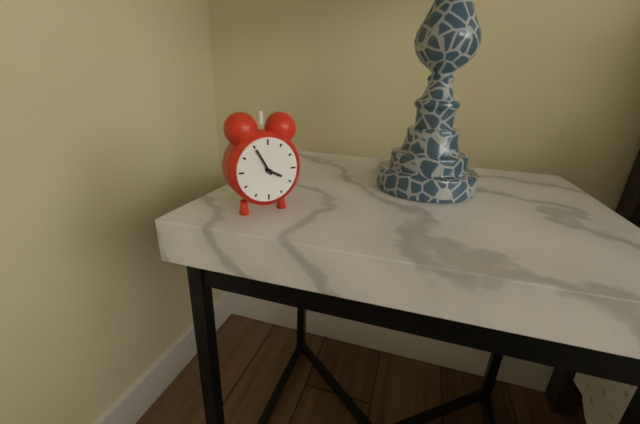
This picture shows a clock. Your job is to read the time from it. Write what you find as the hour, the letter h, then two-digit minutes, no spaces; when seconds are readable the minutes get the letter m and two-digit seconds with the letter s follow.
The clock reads 3h55
